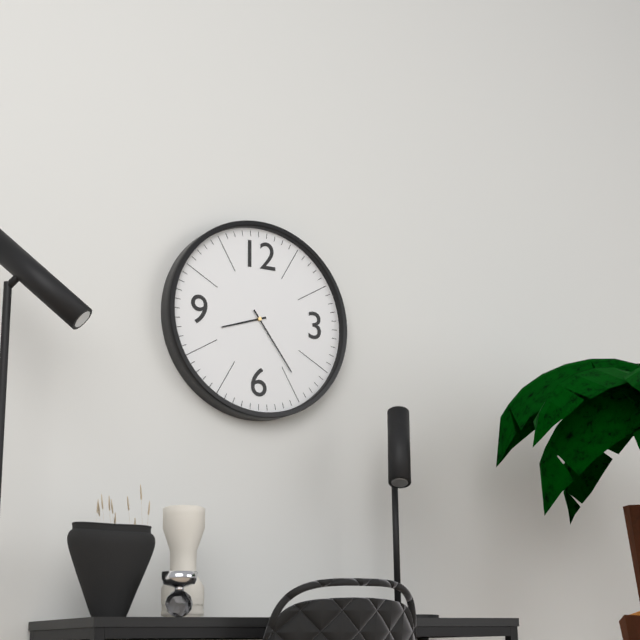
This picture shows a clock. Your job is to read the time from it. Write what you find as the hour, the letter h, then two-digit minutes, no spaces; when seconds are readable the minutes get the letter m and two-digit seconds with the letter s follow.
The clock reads 8h24
